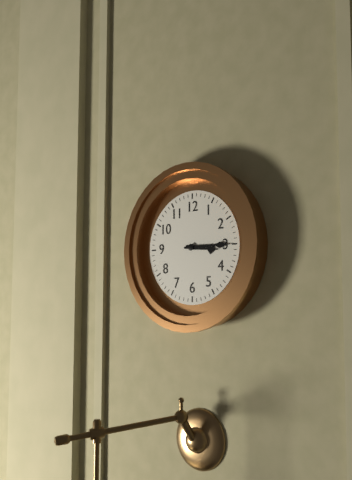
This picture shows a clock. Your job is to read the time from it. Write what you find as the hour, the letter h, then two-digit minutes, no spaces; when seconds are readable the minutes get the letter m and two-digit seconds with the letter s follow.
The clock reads 3h15
